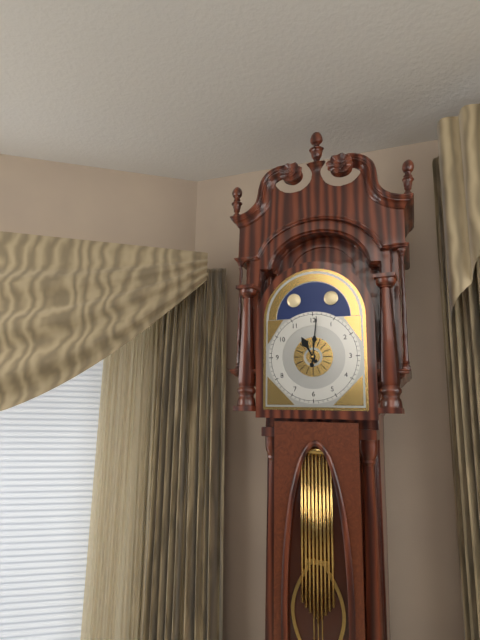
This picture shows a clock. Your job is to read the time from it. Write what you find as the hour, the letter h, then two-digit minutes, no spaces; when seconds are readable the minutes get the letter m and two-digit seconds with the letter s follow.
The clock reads 11h01
